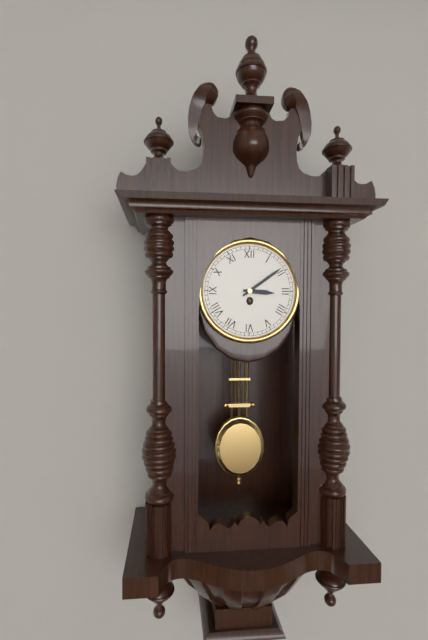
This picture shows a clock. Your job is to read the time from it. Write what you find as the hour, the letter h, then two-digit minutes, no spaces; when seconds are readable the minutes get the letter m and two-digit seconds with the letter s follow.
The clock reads 3h09
